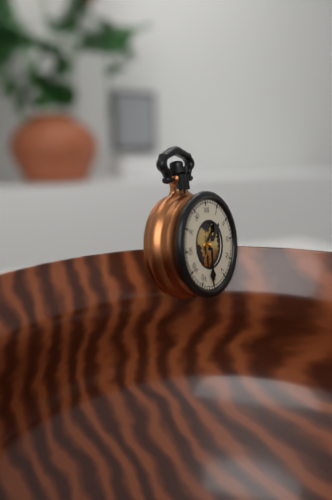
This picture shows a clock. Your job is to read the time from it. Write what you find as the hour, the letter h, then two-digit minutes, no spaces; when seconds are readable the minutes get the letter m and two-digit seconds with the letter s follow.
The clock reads 1h31
